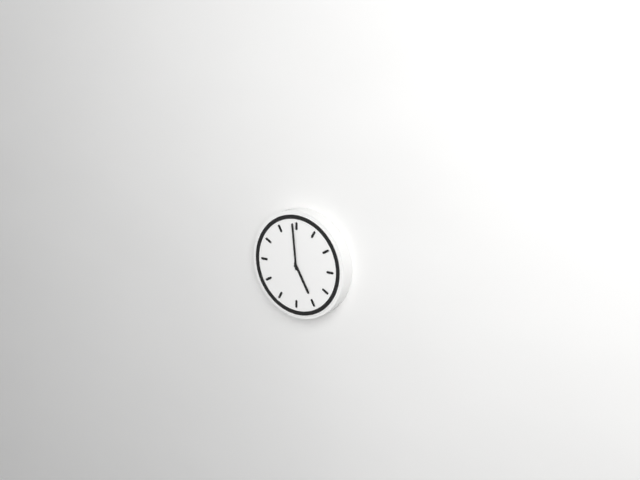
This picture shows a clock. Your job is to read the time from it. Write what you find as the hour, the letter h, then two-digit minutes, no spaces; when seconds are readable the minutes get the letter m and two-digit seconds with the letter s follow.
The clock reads 4h59
